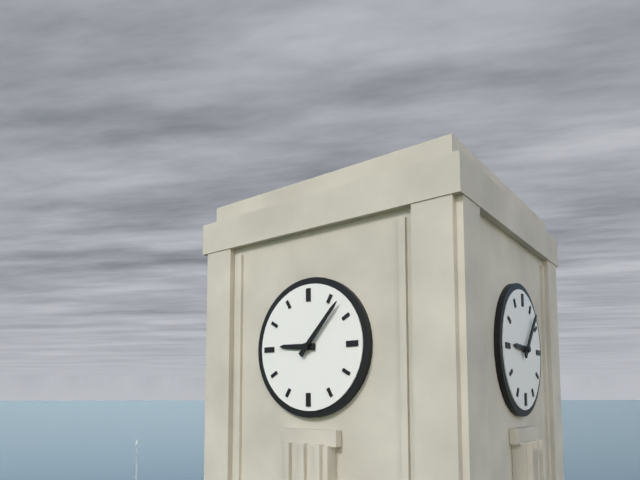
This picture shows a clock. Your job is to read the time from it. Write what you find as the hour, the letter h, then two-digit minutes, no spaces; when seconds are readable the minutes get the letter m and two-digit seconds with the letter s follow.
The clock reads 9h07
